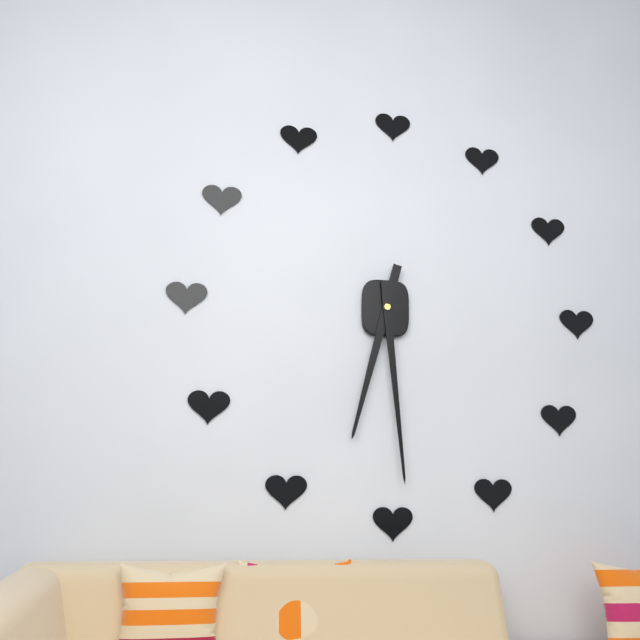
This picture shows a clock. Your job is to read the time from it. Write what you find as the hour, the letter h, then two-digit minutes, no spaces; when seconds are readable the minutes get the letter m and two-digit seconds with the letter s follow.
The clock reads 6h29
